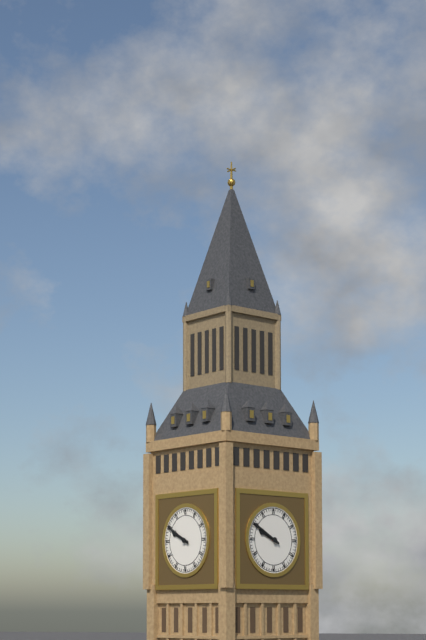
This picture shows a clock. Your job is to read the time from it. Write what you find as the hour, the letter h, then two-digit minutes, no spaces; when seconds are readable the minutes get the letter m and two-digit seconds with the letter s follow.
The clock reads 9h50
